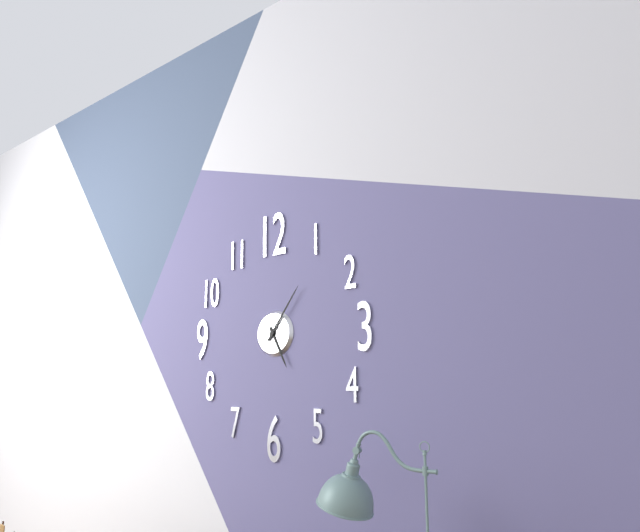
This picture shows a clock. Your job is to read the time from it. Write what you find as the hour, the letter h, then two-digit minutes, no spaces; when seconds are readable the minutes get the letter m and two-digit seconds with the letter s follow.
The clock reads 5h06
